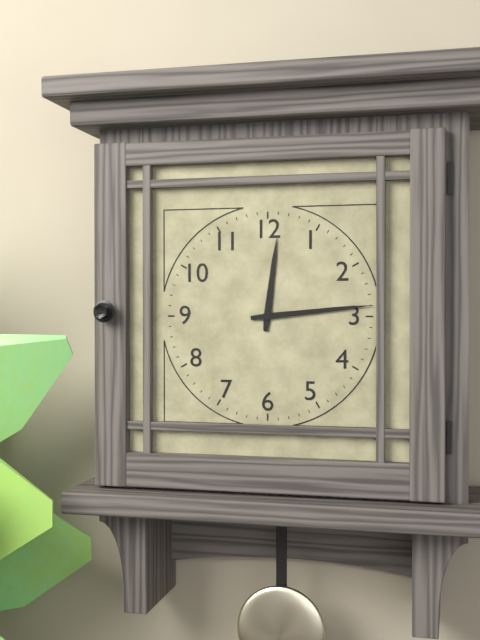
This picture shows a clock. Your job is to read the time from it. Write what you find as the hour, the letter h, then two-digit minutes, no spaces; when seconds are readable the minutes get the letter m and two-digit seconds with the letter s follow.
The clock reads 12h14
